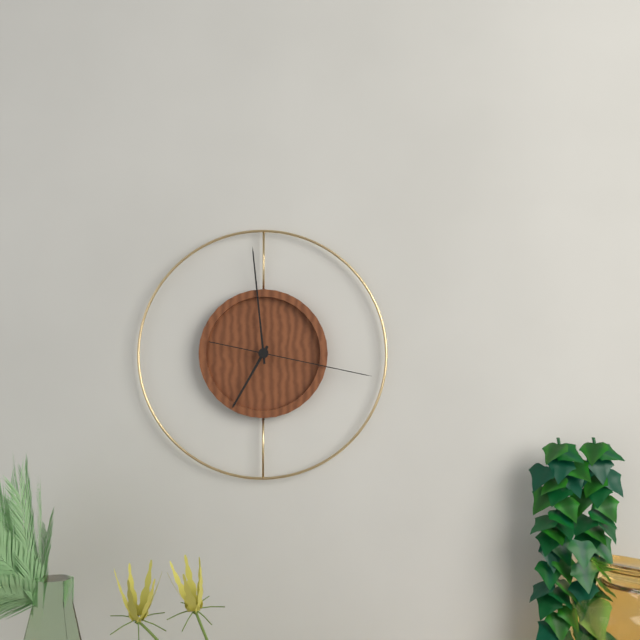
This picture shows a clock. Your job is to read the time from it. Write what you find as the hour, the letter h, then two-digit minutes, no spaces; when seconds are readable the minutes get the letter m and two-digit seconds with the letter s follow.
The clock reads 6h59m17s
